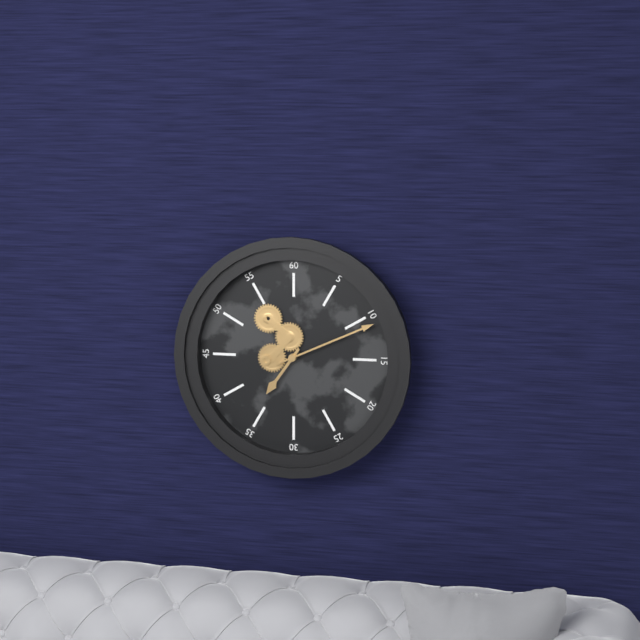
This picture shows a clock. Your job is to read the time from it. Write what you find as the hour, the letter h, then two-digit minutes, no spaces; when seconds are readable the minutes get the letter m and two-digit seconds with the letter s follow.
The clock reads 7h11
